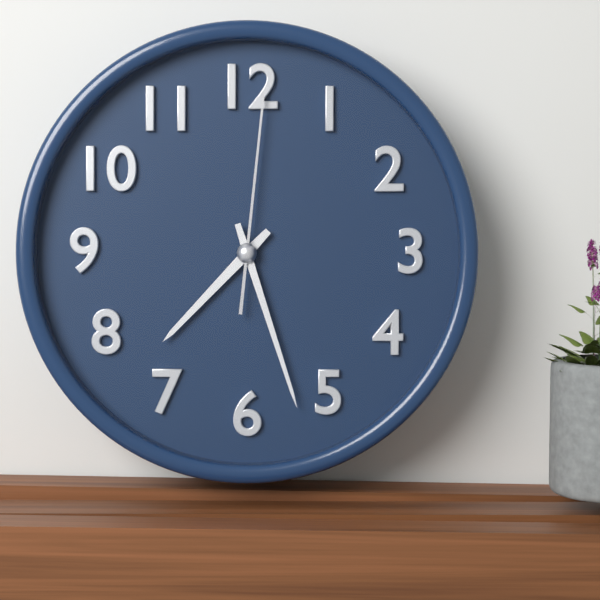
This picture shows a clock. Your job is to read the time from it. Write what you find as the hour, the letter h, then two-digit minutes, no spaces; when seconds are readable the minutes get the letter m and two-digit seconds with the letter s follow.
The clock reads 7h27m01s
